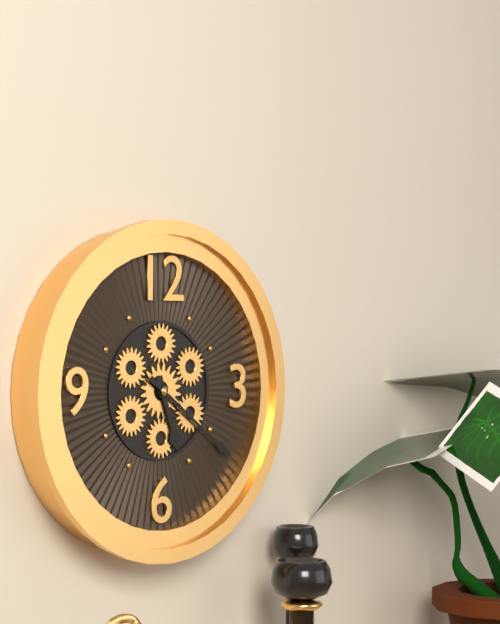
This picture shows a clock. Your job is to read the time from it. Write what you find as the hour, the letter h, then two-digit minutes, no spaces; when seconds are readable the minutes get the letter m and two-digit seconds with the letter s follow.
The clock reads 5h21
